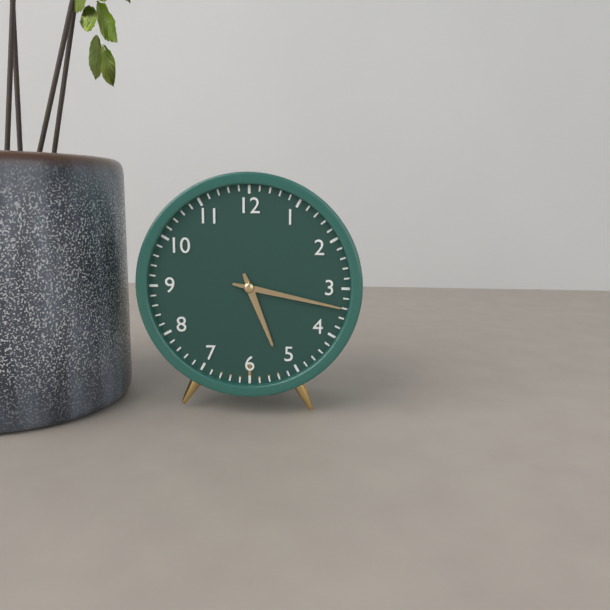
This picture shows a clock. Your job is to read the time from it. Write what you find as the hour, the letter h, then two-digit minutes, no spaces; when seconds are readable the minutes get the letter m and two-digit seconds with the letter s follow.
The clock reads 5h17
